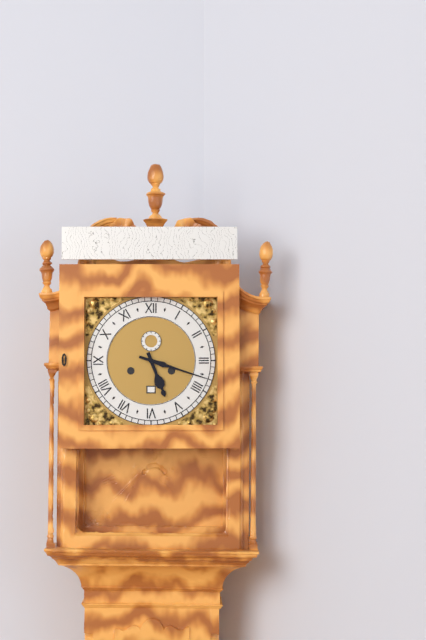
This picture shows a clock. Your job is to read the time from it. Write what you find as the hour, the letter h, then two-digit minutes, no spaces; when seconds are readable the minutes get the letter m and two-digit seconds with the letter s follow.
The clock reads 5h18
